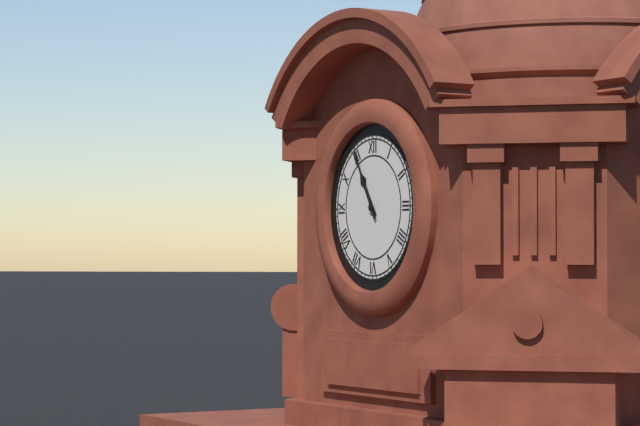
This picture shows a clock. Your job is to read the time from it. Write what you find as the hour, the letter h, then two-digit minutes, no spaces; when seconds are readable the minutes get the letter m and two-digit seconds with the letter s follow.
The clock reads 10h55
